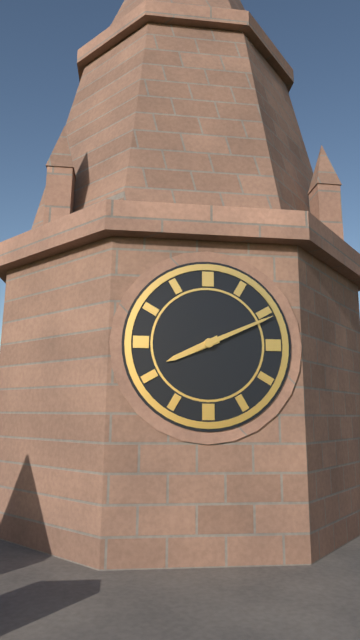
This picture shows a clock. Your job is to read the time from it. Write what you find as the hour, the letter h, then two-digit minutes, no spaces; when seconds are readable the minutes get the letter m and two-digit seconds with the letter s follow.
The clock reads 8h11
